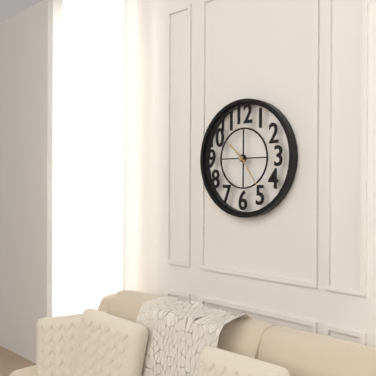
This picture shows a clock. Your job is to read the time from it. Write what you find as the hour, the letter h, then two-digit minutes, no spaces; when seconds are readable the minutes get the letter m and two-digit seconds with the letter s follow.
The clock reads 10h24
